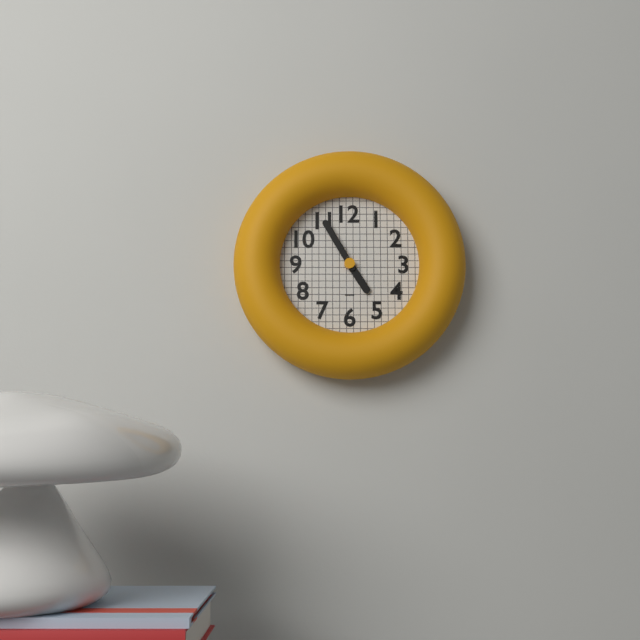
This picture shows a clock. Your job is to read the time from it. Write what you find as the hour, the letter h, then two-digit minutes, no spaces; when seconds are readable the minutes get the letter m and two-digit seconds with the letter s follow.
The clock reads 4h55
